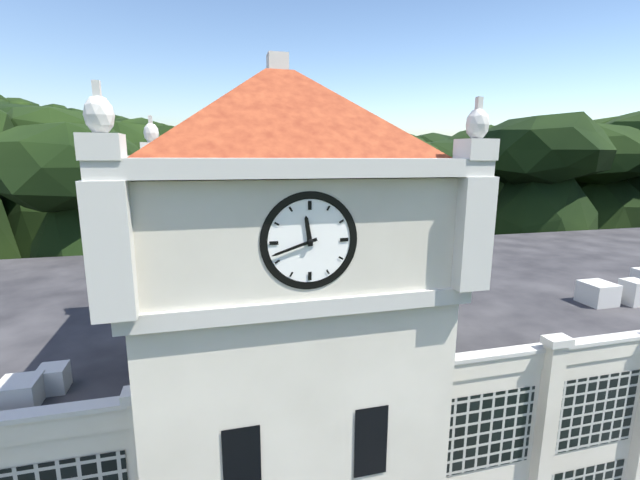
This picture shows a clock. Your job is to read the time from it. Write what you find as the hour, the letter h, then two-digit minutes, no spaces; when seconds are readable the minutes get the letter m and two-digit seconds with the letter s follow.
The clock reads 11h42
